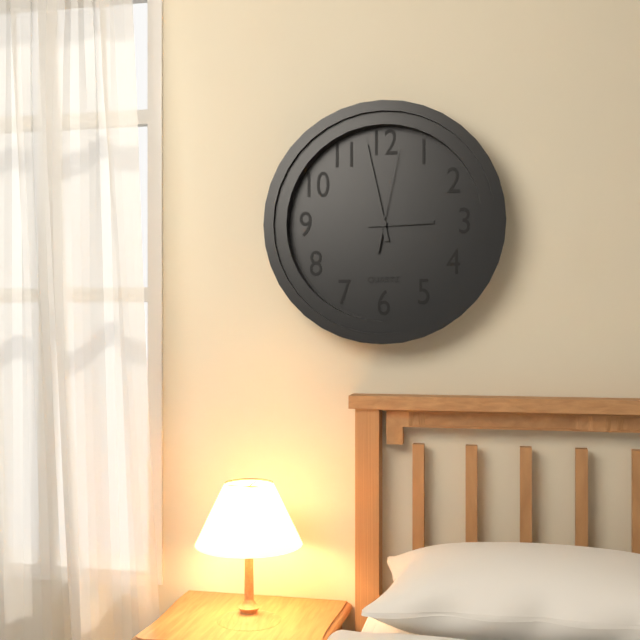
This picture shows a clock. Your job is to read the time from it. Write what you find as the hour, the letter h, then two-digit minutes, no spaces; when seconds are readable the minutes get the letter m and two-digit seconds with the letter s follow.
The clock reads 2h58m02s
